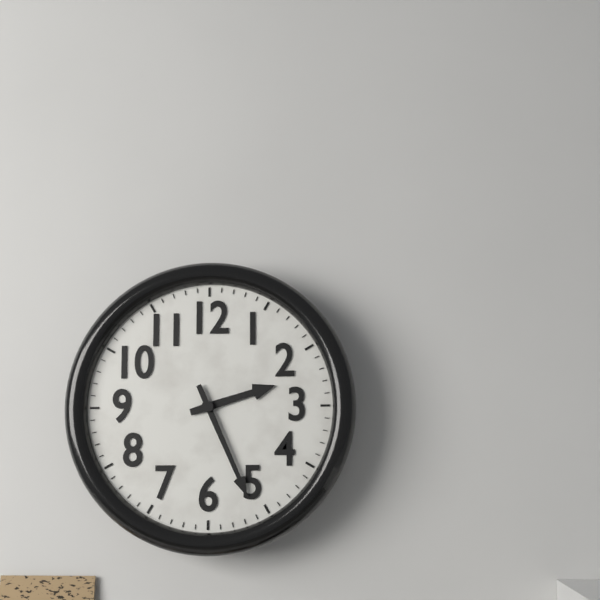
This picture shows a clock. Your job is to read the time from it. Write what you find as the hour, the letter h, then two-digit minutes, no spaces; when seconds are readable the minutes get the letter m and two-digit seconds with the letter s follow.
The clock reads 2h26
